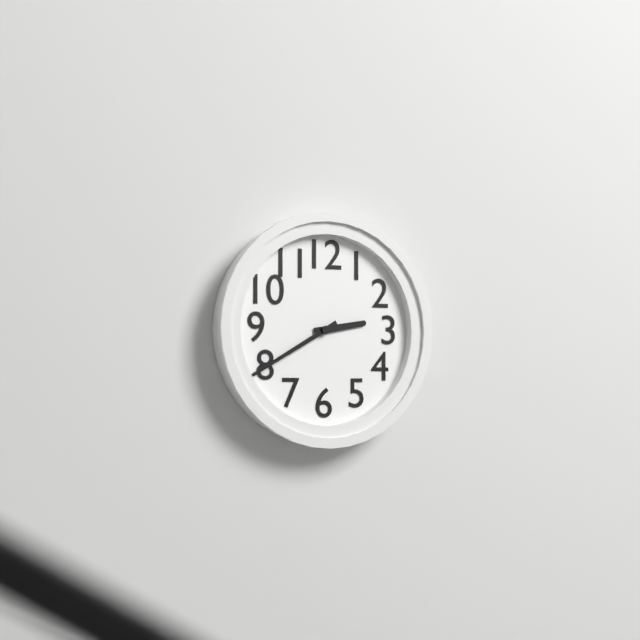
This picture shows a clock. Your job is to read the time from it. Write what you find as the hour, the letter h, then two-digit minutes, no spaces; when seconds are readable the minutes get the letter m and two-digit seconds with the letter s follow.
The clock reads 2h40
